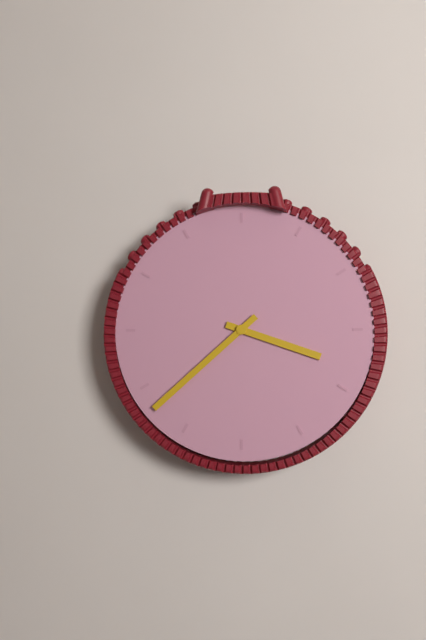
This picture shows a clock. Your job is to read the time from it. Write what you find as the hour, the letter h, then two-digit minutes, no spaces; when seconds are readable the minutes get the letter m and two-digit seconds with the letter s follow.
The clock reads 3h38
